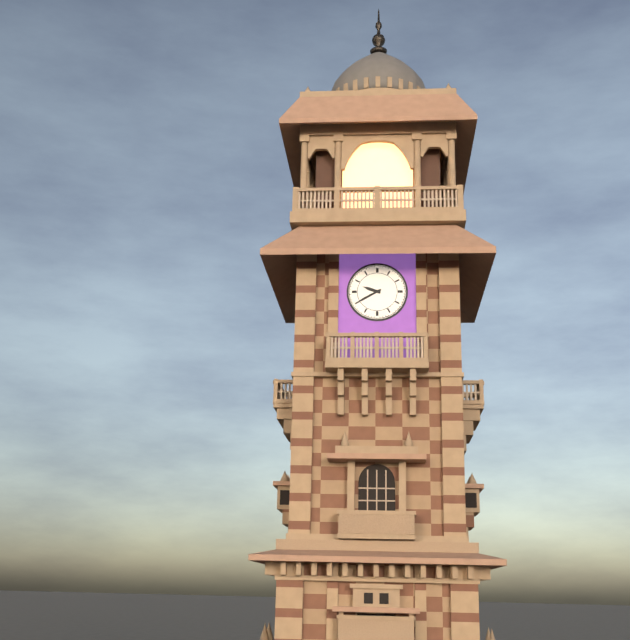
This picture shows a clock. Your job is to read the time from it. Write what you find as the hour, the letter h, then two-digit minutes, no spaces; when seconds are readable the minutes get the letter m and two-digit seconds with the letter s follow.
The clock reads 9h40
